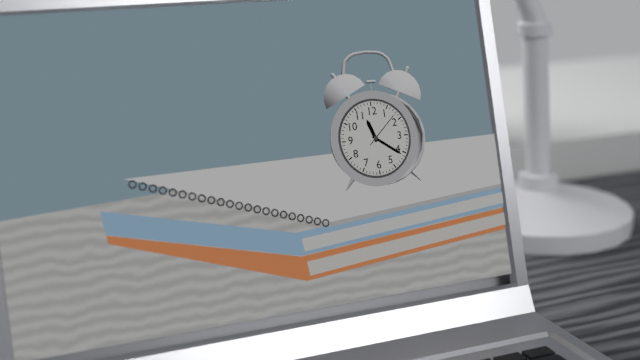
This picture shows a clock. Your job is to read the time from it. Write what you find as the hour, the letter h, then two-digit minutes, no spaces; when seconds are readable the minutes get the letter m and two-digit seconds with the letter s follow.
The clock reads 11h21
